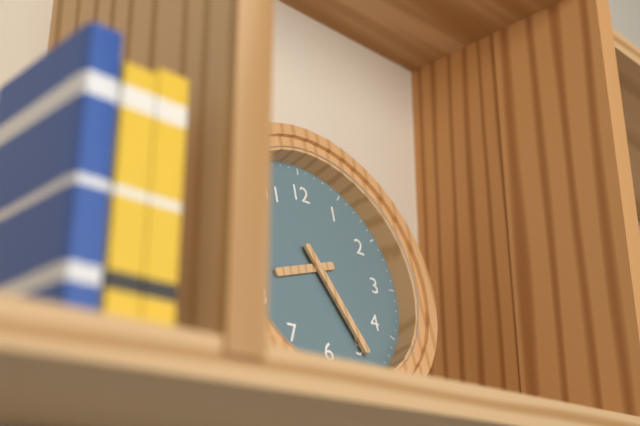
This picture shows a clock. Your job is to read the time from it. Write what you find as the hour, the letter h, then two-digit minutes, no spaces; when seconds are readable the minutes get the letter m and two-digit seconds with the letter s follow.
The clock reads 8h25
